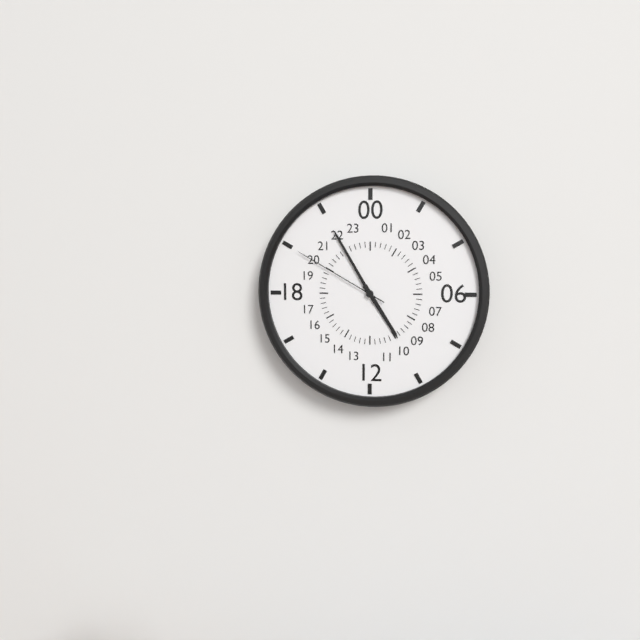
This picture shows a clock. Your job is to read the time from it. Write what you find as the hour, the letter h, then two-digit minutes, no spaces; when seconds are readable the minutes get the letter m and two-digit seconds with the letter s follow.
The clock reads 4h55m50s
